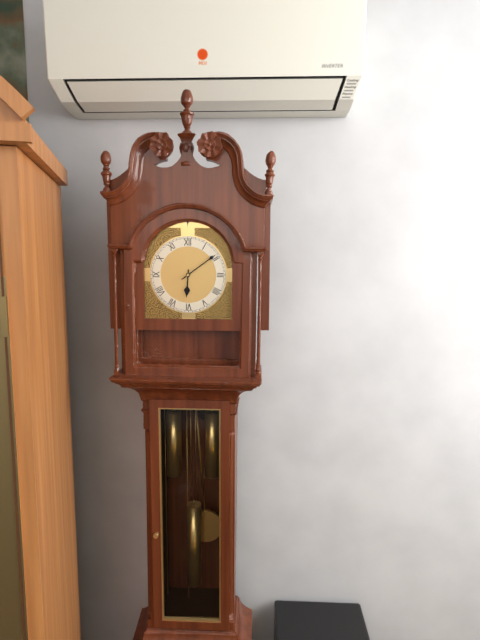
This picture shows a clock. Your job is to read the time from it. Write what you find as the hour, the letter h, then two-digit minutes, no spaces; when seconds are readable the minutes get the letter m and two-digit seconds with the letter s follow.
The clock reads 6h09
